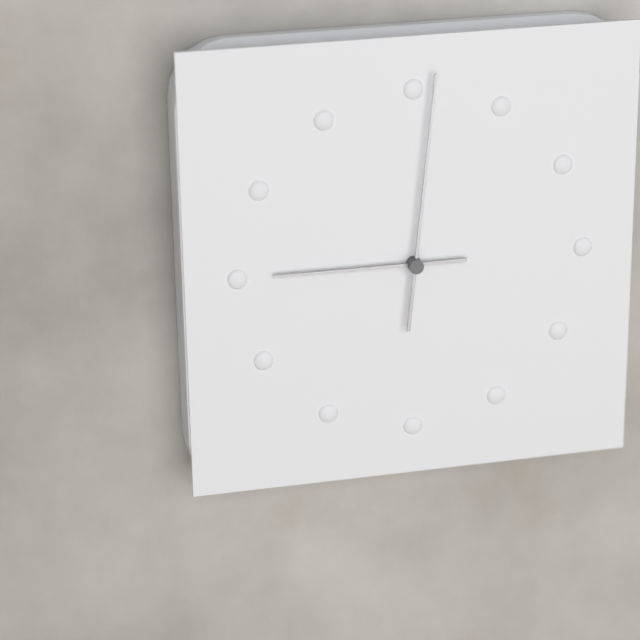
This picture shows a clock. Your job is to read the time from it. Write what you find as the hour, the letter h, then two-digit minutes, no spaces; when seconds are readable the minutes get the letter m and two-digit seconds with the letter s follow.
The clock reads 9h01
